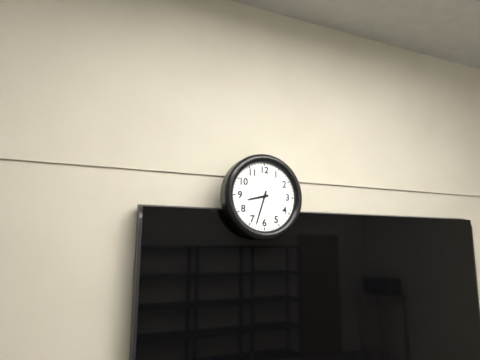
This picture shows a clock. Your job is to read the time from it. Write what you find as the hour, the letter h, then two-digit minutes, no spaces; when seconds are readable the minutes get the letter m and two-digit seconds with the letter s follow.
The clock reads 8h33
